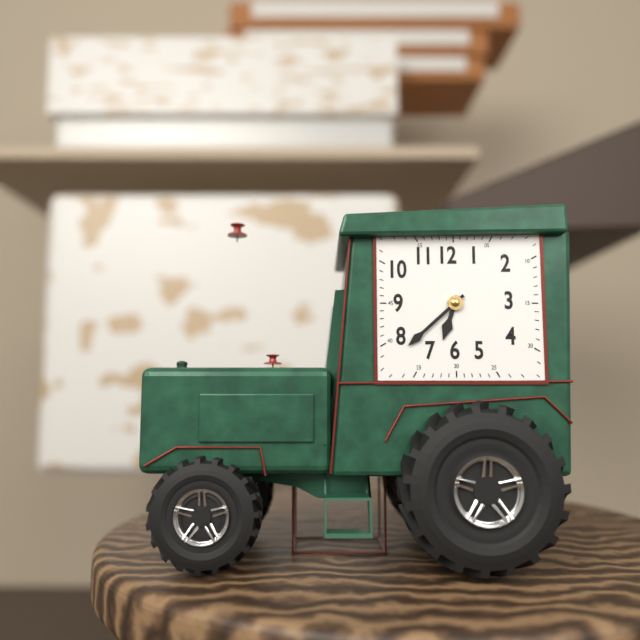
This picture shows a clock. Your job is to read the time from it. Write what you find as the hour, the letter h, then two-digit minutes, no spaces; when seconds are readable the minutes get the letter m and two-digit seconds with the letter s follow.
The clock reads 6h38
